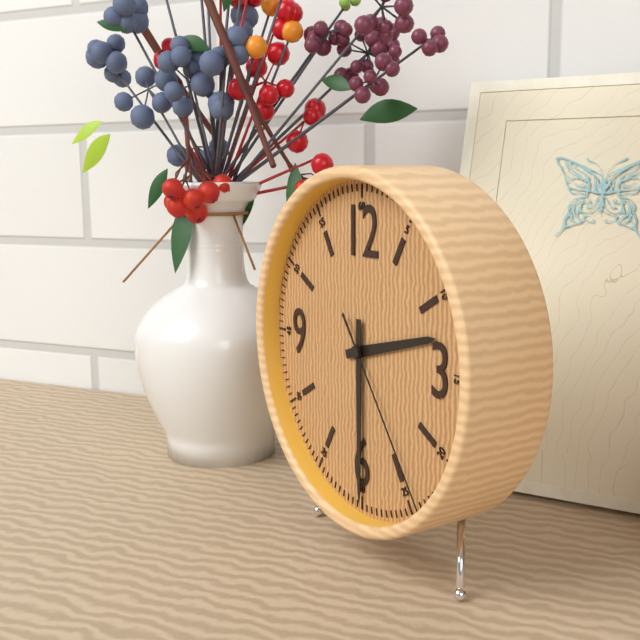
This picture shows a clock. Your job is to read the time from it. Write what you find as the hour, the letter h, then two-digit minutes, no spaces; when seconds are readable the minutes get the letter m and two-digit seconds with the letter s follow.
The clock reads 2h30m24s
